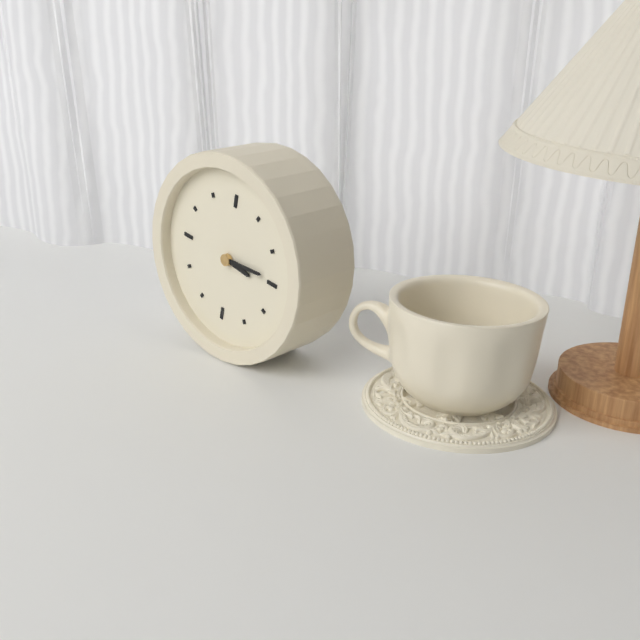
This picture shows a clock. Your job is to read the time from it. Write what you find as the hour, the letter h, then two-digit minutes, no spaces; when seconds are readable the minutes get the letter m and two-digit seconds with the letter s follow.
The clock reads 3h14
